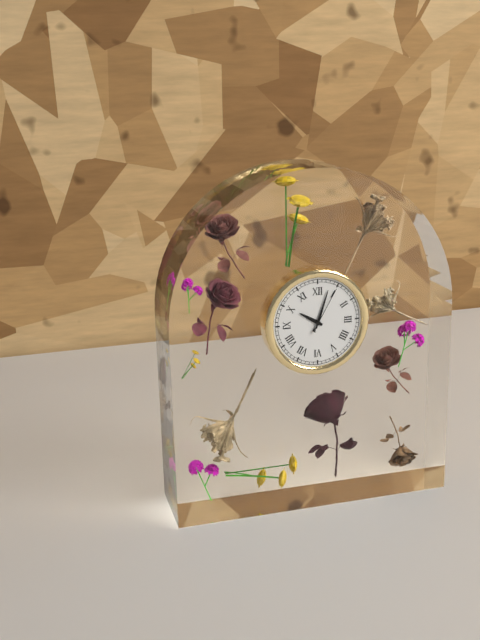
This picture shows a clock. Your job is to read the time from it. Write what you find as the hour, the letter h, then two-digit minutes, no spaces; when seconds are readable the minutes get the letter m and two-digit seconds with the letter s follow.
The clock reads 10h03
